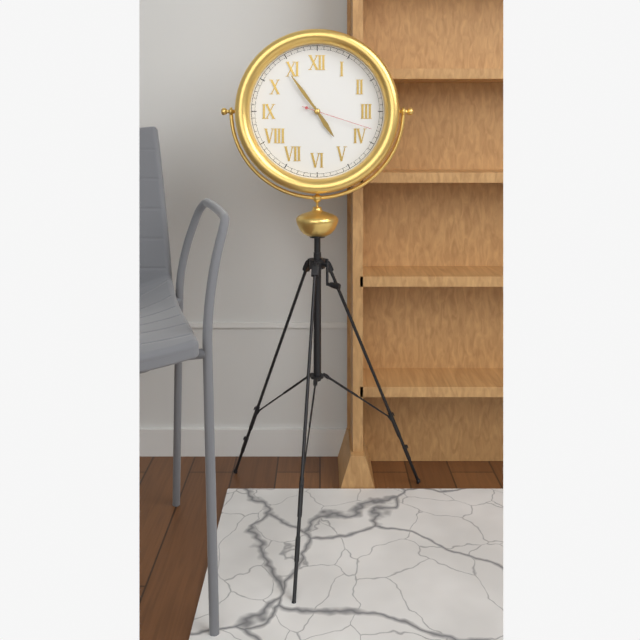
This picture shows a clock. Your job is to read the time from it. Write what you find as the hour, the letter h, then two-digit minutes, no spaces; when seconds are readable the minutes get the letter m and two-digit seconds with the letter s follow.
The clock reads 4h54m18s
